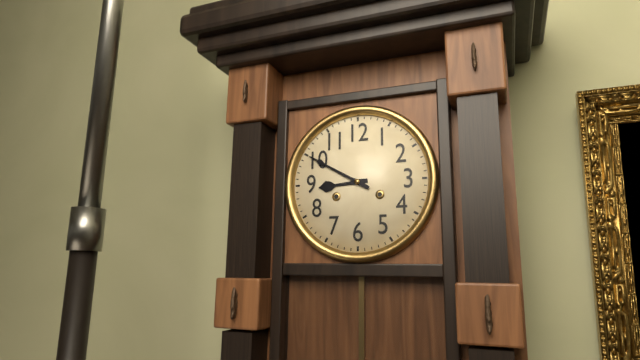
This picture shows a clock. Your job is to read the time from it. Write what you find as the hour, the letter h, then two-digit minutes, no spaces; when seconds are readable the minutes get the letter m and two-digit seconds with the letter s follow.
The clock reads 8h50
